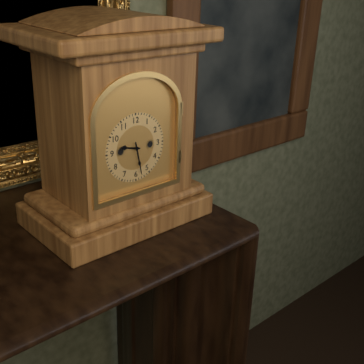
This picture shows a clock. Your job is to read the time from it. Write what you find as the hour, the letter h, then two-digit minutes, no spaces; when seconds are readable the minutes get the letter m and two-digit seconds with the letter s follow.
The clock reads 9h28
